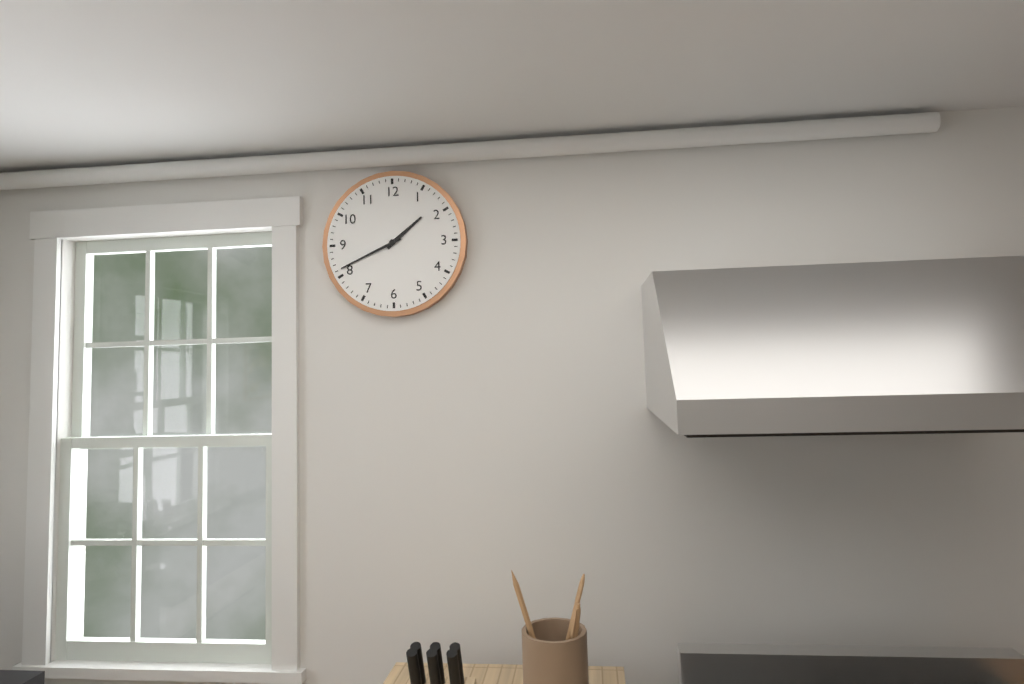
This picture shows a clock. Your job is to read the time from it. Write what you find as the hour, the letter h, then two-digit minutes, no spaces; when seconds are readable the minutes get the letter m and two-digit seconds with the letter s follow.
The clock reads 1h41
